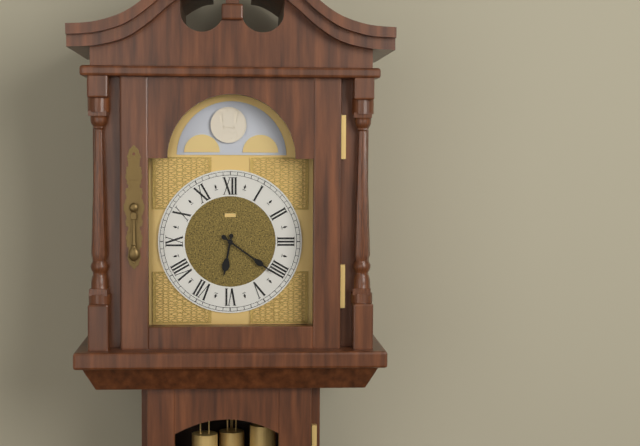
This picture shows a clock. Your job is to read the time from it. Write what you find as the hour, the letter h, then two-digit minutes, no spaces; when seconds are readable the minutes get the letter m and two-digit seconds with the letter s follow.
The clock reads 6h21
